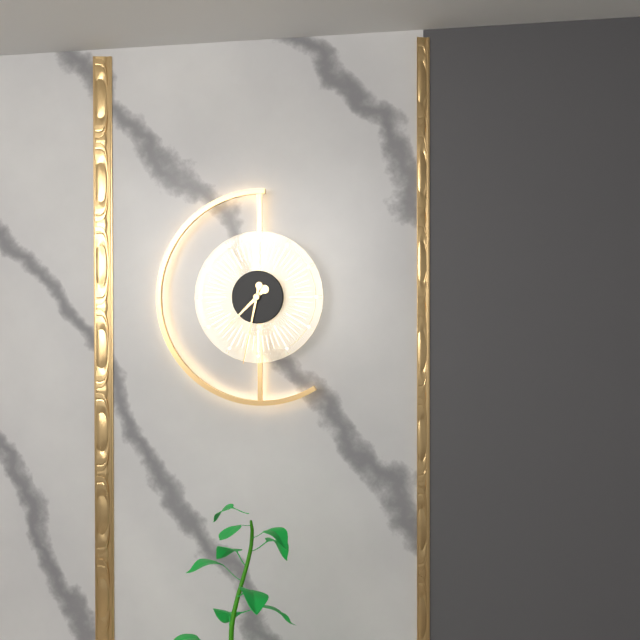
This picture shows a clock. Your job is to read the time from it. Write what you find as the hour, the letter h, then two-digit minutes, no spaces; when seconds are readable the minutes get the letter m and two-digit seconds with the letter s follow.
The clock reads 7h32
